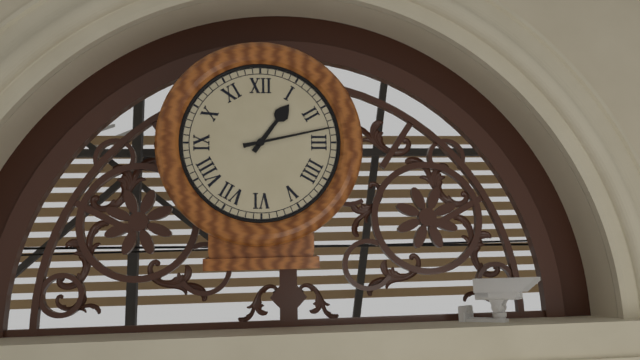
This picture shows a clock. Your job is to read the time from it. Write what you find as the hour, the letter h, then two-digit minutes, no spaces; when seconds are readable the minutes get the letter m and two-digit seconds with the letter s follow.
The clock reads 1h13
